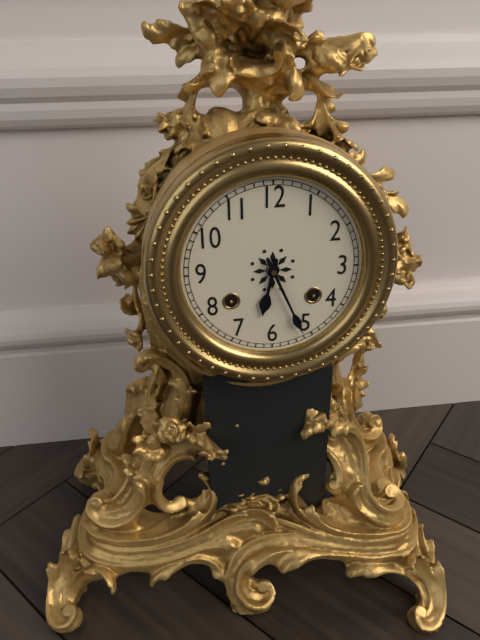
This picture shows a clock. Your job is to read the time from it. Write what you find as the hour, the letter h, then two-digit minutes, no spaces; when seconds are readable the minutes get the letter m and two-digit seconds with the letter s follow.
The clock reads 6h26
